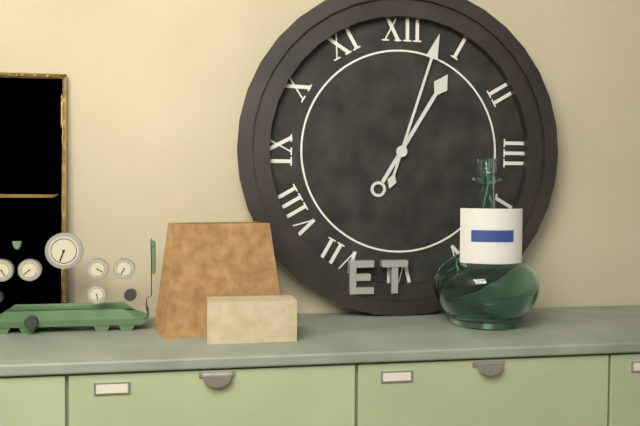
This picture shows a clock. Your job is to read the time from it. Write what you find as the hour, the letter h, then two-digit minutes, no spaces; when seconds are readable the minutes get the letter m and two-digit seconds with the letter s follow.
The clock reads 1h03
